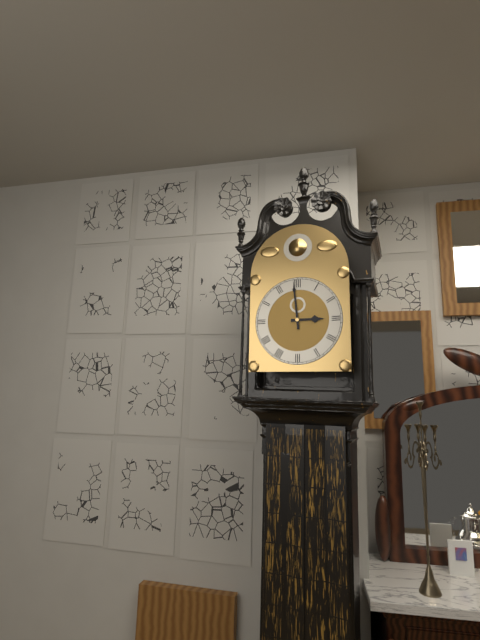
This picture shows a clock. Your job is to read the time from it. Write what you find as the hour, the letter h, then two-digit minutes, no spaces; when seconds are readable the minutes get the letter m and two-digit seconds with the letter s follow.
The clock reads 2h59
